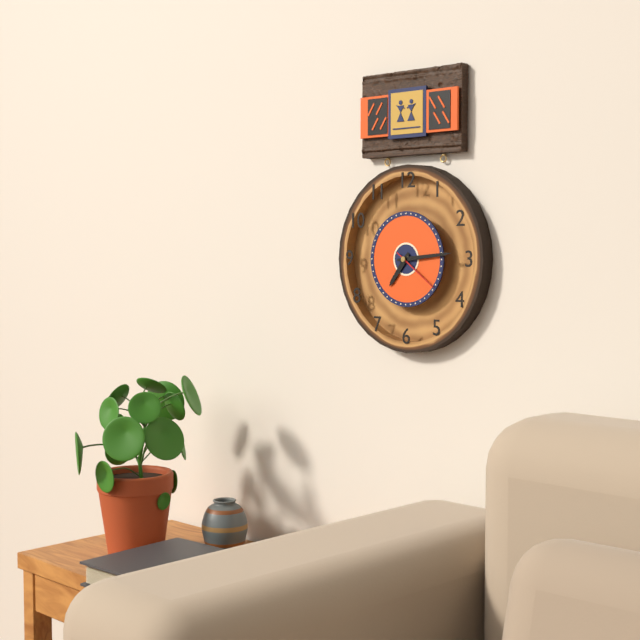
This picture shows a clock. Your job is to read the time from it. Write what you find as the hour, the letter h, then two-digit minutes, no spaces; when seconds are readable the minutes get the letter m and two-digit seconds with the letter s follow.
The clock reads 7h14m21s
